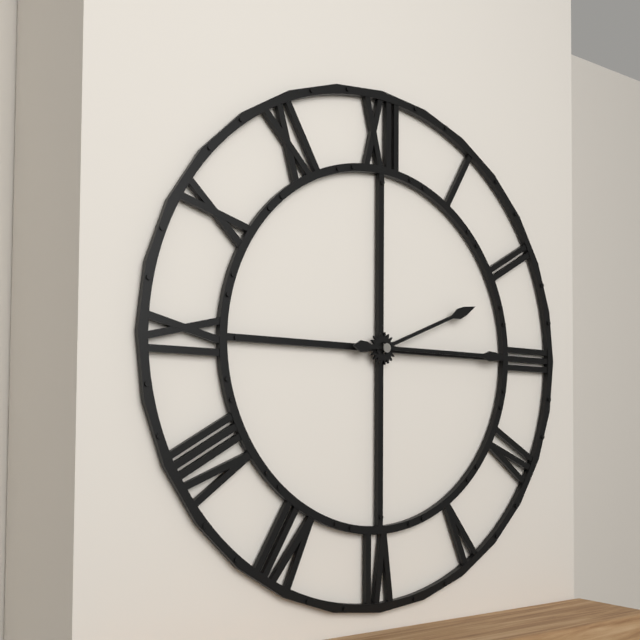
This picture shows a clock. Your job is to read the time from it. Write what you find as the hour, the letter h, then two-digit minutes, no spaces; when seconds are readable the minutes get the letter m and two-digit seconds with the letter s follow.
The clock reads 2h15
